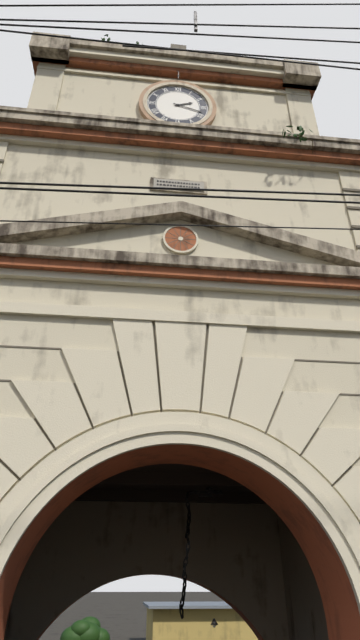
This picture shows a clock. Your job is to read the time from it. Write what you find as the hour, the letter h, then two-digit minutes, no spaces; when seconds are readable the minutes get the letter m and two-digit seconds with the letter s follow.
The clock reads 2h18
